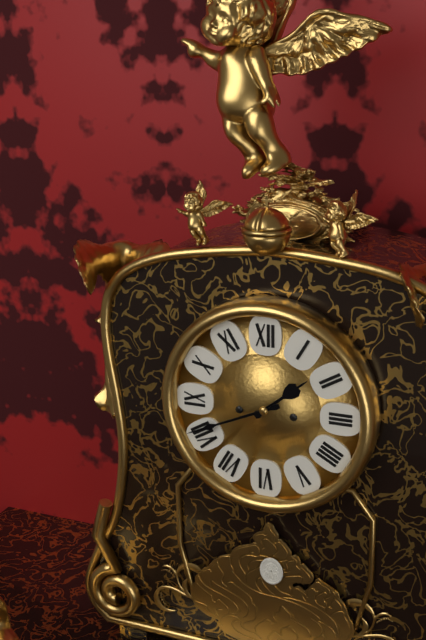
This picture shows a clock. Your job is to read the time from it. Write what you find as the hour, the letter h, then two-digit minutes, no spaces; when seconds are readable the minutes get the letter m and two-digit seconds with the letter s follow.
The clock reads 1h41
